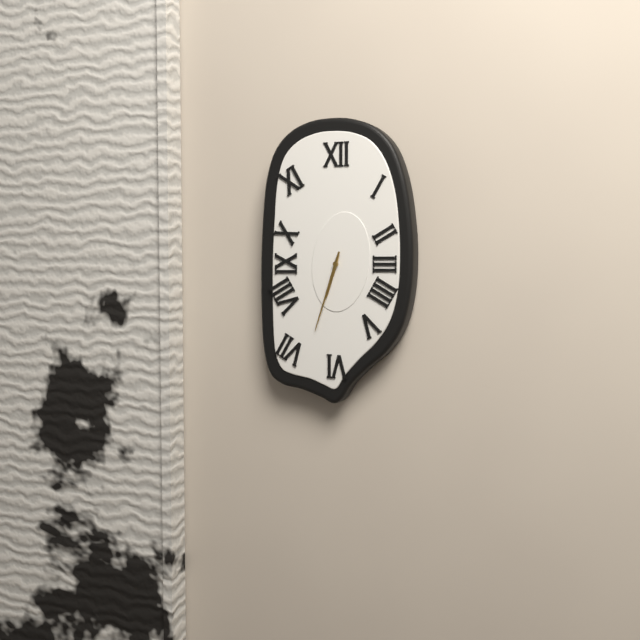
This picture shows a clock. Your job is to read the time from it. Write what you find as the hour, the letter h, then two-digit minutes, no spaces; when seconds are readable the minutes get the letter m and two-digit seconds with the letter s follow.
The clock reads 6h33
